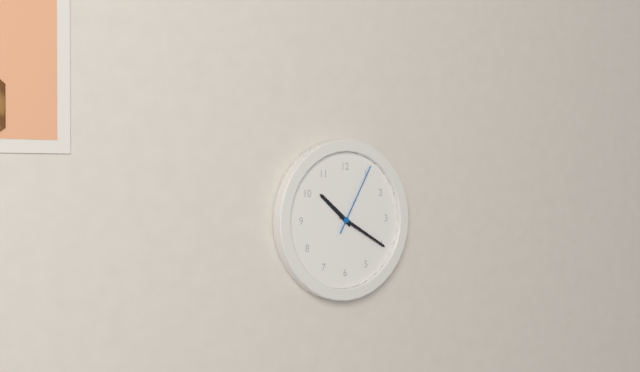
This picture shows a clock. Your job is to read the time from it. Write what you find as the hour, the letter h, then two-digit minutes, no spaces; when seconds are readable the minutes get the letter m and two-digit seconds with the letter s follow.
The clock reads 10h20m05s
